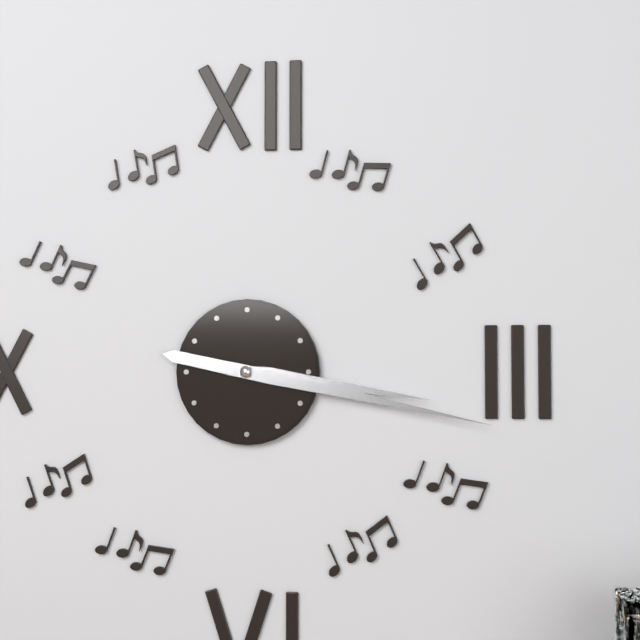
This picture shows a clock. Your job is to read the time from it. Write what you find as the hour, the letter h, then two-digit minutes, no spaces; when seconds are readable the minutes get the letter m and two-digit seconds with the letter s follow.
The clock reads 3h17
